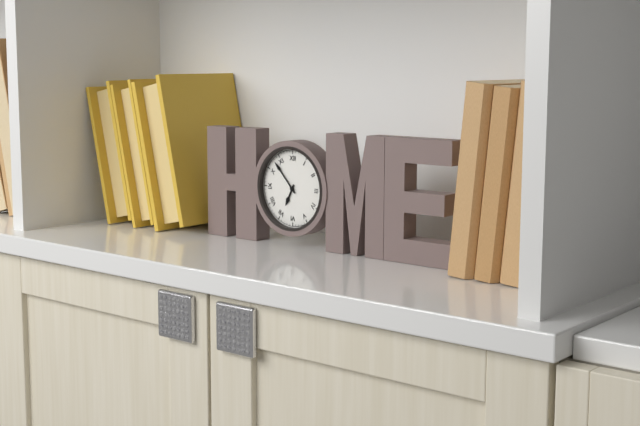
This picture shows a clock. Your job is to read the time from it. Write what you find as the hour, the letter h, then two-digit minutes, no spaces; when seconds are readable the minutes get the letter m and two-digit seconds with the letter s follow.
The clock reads 6h53
